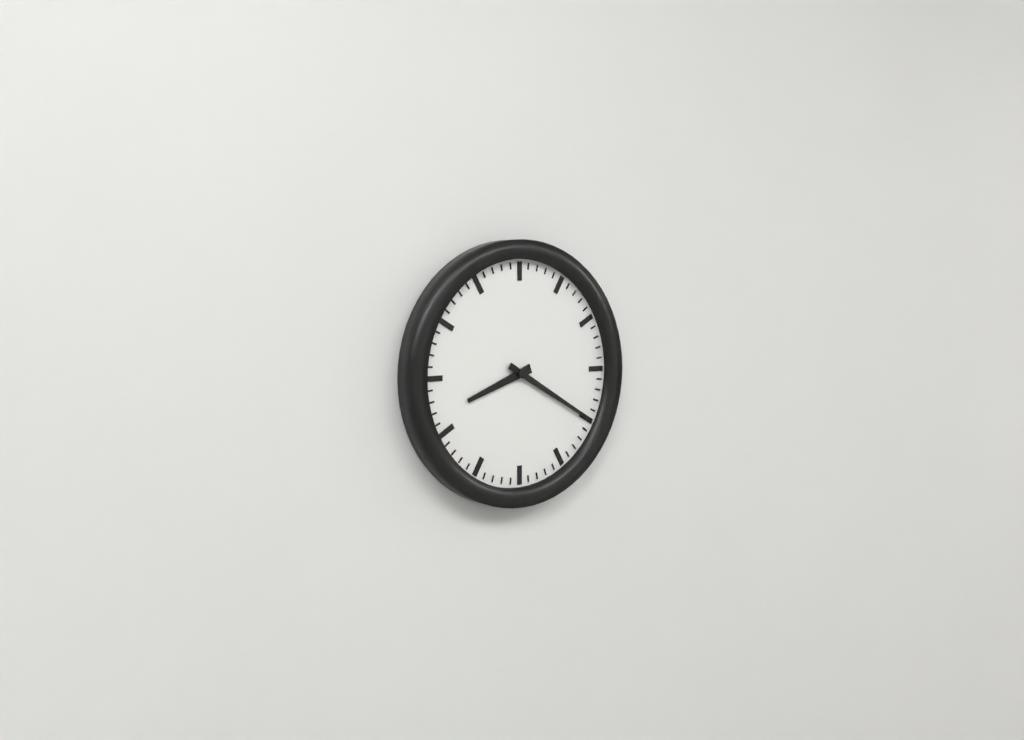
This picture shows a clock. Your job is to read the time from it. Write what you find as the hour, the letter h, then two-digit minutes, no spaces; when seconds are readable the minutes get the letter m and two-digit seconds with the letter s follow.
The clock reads 8h20
